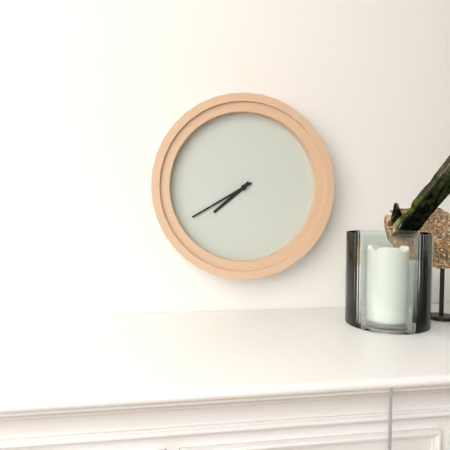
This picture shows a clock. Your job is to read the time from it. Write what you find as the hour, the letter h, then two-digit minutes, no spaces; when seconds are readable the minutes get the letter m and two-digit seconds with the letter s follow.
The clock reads 7h40
